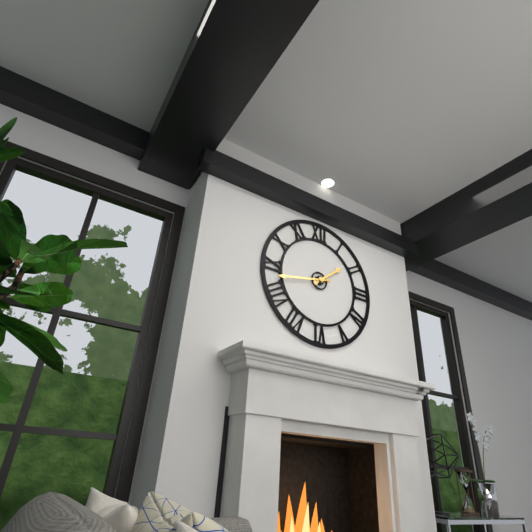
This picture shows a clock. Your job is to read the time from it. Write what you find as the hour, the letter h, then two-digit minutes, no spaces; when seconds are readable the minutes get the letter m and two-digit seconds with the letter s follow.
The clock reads 1h43
